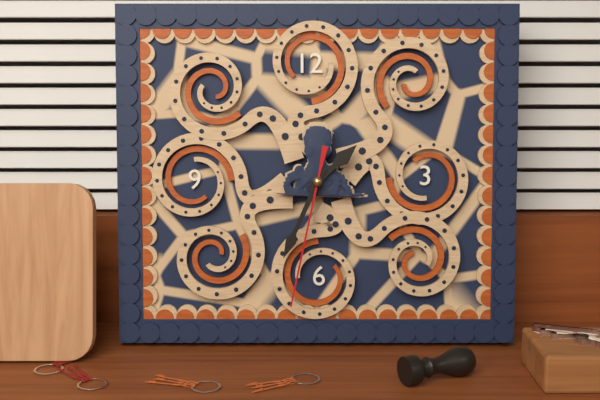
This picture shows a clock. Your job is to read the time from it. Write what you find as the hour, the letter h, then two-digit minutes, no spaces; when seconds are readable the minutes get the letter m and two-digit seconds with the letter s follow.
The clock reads 1h34m32s
